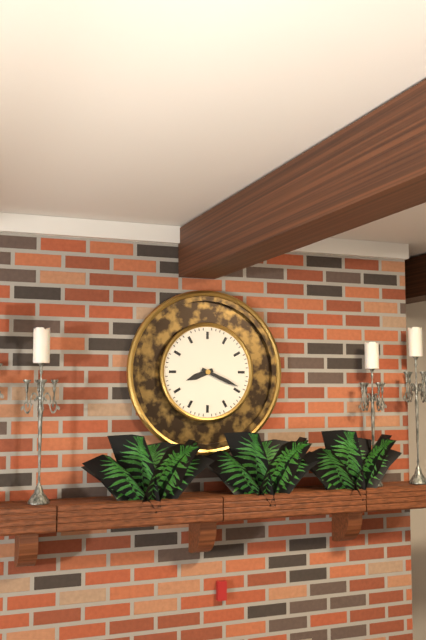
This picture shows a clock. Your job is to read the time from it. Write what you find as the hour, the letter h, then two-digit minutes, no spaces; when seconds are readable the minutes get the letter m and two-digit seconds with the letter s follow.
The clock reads 8h19
